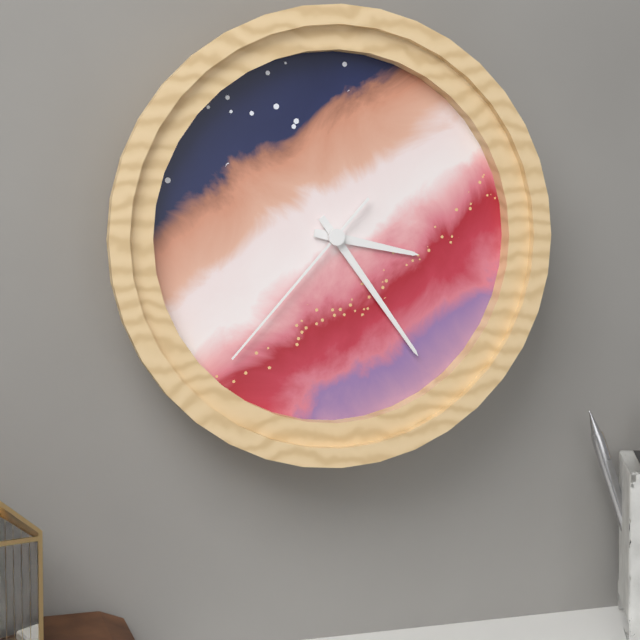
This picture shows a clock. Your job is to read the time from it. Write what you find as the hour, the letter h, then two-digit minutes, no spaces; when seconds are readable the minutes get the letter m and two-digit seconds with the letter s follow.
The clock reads 3h24m37s
